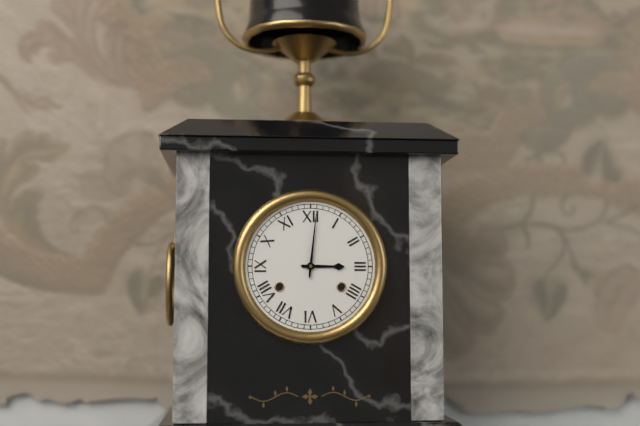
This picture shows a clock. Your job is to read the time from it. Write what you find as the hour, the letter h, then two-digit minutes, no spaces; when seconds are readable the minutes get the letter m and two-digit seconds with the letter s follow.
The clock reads 3h01
